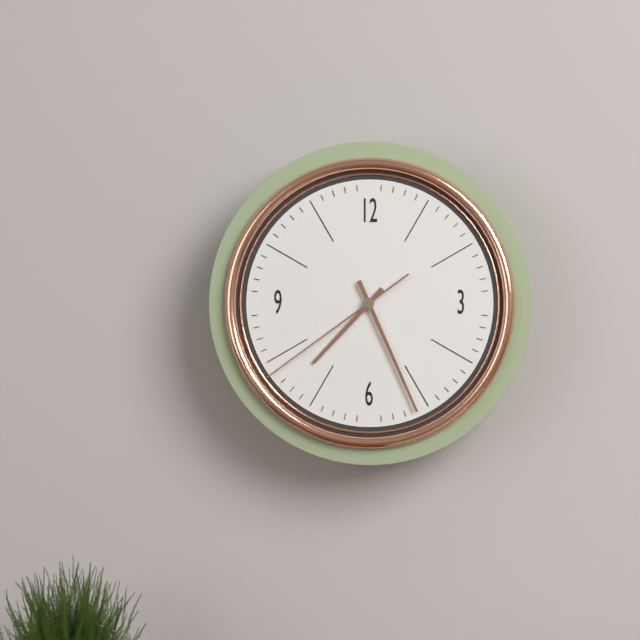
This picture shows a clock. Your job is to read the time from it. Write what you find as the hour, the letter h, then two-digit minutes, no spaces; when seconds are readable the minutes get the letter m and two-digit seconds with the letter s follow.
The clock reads 7h26m39s
